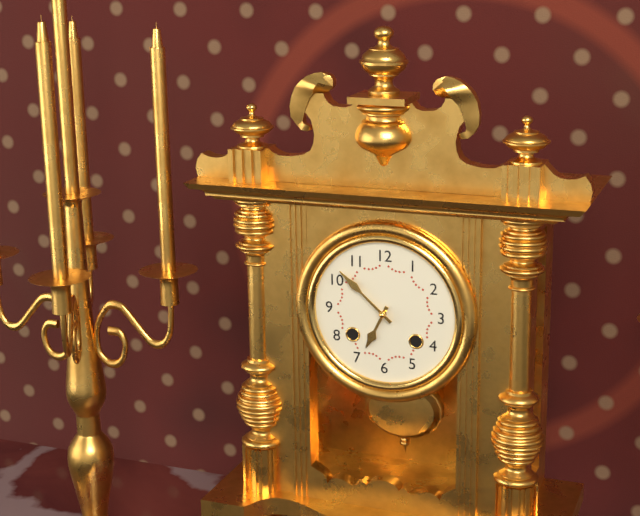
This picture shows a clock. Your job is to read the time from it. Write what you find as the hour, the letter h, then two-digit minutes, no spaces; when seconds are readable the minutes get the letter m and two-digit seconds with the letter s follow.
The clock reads 6h52
